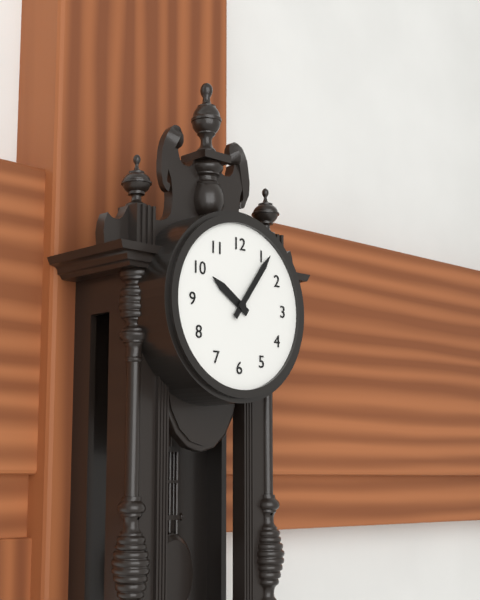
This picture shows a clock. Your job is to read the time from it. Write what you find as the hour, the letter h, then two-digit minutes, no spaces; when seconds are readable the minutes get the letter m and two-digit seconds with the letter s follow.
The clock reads 10h06
